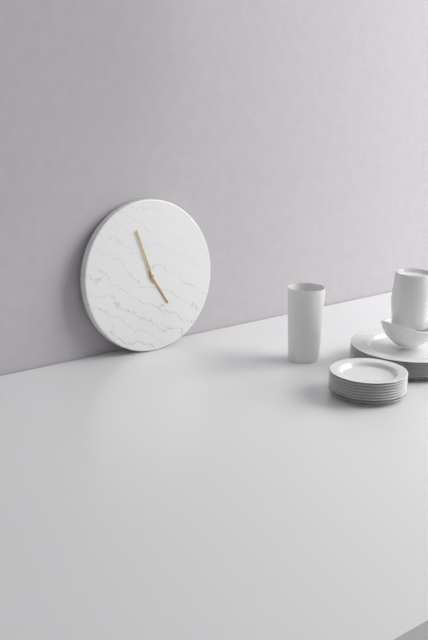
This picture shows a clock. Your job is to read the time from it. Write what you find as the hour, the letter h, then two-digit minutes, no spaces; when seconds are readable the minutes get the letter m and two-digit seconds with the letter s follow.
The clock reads 4h57
